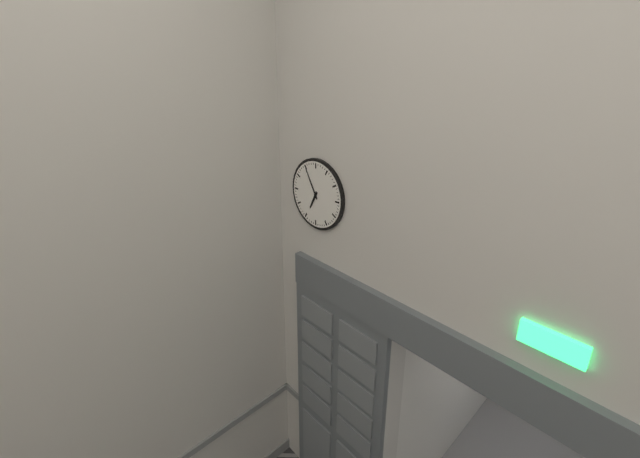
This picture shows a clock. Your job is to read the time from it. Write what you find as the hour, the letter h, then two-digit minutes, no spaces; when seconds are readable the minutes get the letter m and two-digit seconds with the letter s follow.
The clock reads 6h55
